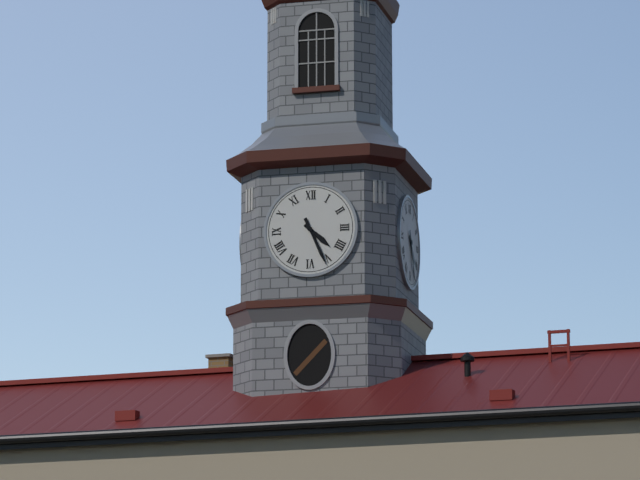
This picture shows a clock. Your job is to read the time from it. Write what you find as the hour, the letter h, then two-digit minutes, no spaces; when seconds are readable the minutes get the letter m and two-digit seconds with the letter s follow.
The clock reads 4h26
